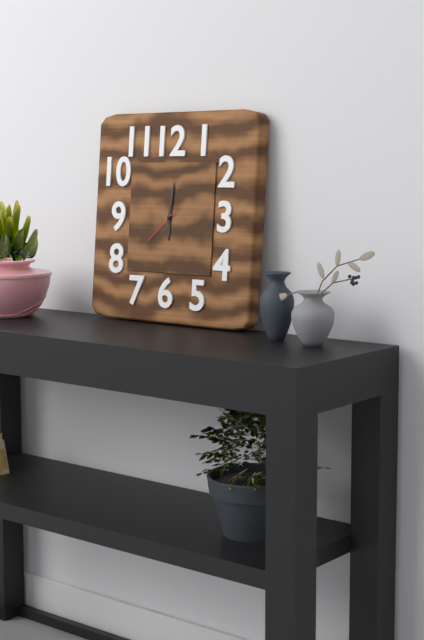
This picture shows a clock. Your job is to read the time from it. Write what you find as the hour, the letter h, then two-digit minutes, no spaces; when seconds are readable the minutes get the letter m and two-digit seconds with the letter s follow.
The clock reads 6h01
